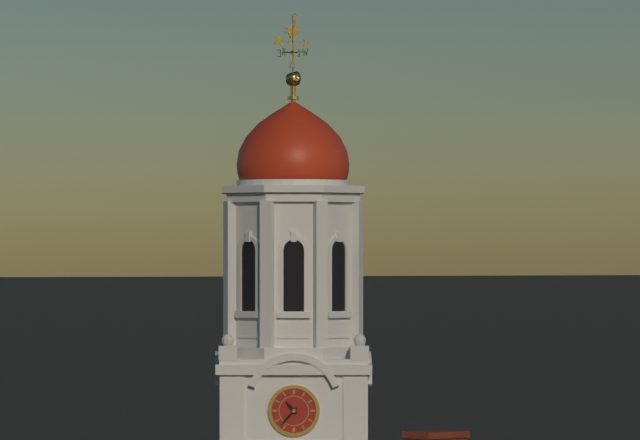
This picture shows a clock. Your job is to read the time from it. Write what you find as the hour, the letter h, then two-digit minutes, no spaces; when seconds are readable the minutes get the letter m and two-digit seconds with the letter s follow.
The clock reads 10h37
